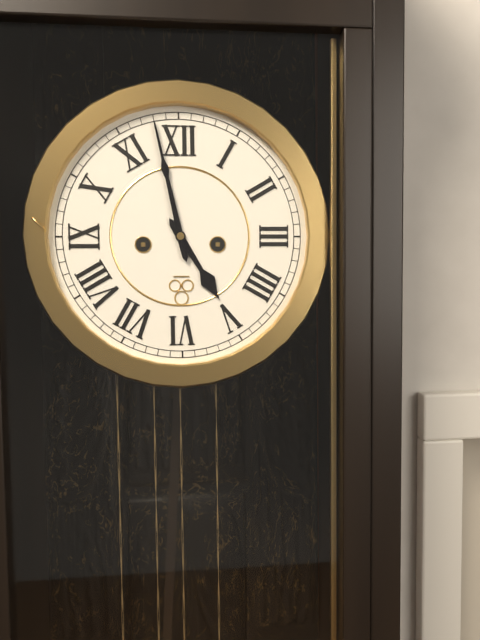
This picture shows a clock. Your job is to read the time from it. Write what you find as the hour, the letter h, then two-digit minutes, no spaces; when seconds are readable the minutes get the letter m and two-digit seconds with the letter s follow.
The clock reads 4h58
